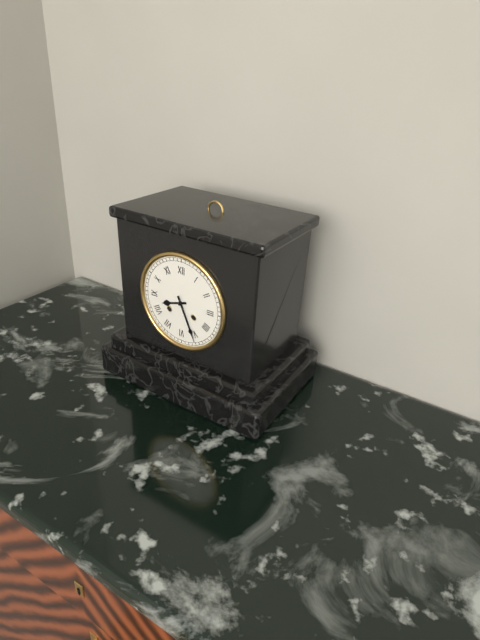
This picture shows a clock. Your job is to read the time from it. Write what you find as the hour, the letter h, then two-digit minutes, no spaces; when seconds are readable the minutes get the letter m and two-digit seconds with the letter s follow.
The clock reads 8h26
